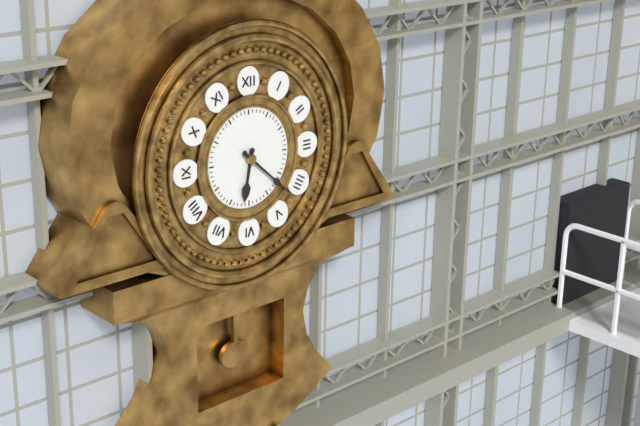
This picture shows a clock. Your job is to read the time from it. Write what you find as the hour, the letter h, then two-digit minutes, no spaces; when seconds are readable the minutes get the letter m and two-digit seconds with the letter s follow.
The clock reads 6h22
